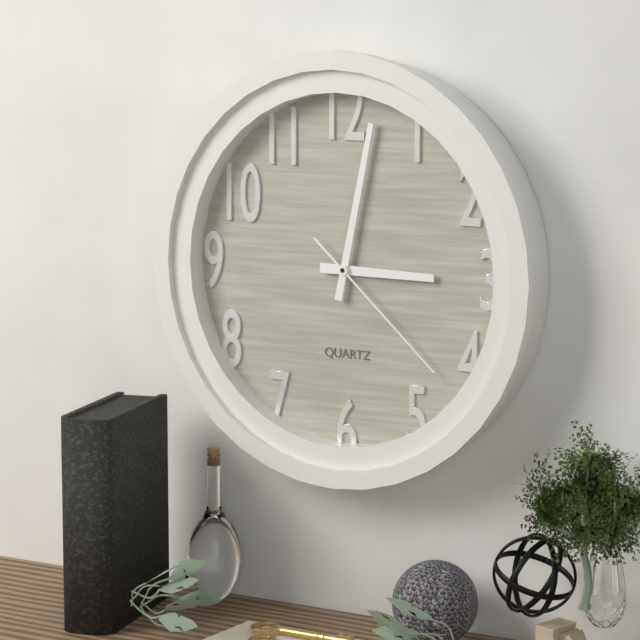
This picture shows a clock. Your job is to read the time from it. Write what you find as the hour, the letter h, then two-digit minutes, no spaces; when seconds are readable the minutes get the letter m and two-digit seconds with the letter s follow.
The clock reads 3h02m22s
